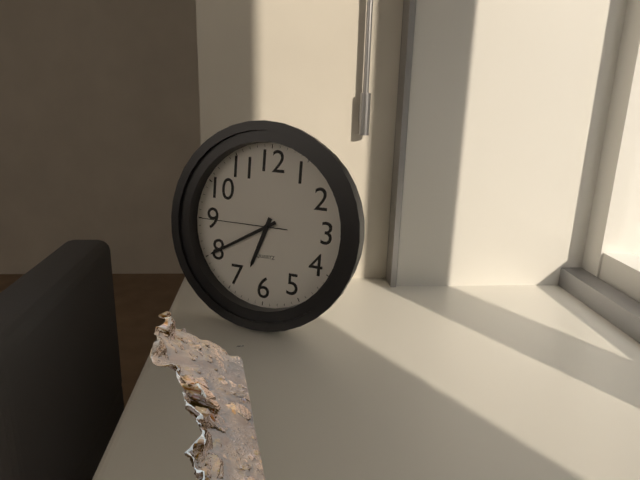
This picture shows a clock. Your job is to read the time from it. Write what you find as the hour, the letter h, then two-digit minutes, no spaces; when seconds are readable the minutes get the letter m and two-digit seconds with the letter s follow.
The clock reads 6h40m45s
